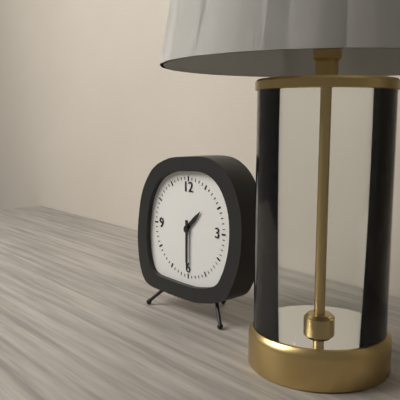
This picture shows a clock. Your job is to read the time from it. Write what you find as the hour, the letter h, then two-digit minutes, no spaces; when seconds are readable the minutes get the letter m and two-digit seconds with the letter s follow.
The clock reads 1h30
